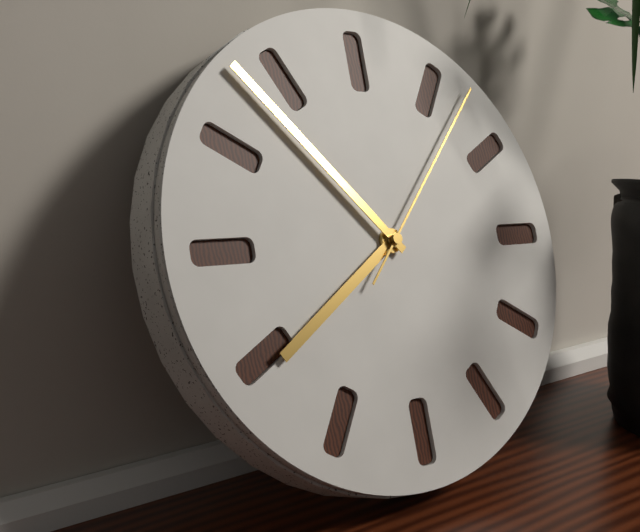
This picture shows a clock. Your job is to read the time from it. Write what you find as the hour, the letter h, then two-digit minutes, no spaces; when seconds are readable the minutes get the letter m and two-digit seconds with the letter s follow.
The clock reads 7h53m07s
